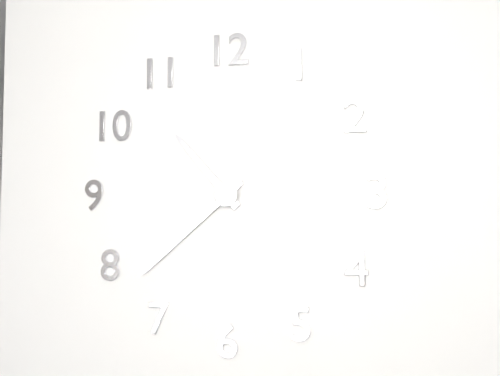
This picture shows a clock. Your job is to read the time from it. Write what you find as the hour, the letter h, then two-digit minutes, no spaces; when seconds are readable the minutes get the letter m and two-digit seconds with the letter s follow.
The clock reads 10h38
